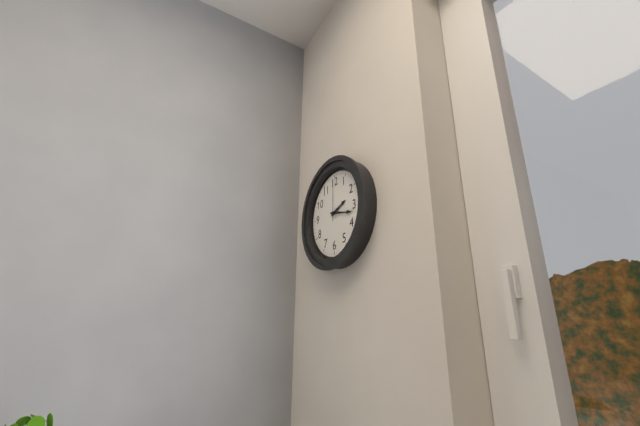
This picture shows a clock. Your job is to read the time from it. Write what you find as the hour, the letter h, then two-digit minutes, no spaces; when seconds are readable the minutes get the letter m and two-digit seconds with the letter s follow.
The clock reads 2h17
